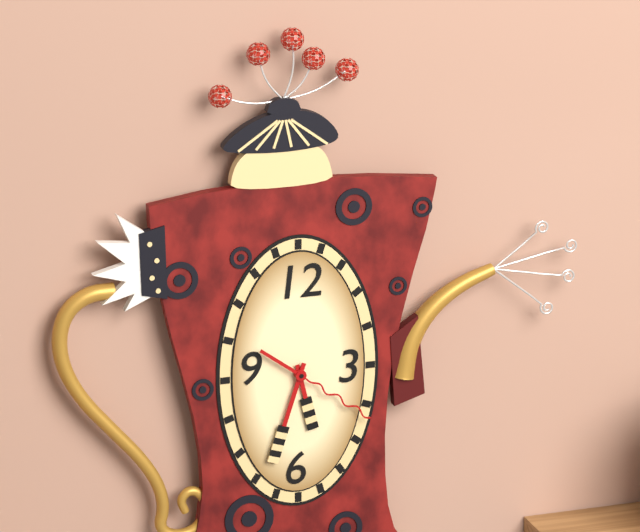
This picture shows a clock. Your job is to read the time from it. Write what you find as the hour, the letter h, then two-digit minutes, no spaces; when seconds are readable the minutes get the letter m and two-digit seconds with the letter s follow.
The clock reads 5h33m21s
